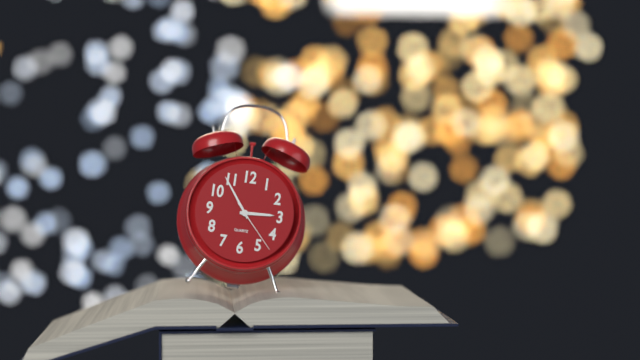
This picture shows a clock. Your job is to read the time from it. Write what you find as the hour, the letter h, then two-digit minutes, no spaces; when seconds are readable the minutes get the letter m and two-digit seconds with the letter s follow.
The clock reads 2h54m23s
